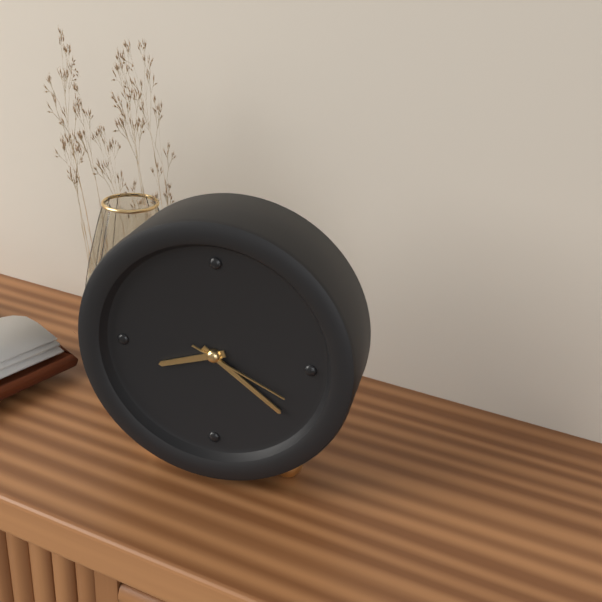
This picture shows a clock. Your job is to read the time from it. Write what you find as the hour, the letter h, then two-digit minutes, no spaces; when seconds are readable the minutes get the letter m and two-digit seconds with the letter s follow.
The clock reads 8h21m19s
